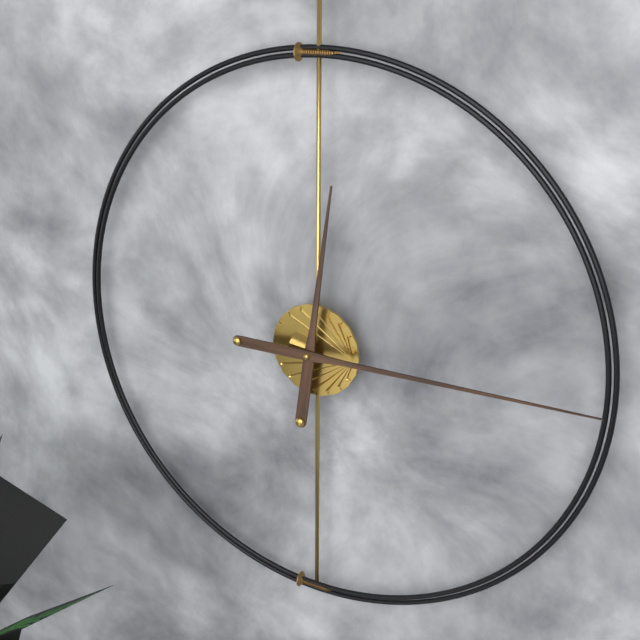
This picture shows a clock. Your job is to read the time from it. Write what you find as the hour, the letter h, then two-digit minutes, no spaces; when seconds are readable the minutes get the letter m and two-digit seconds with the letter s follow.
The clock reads 12h15
